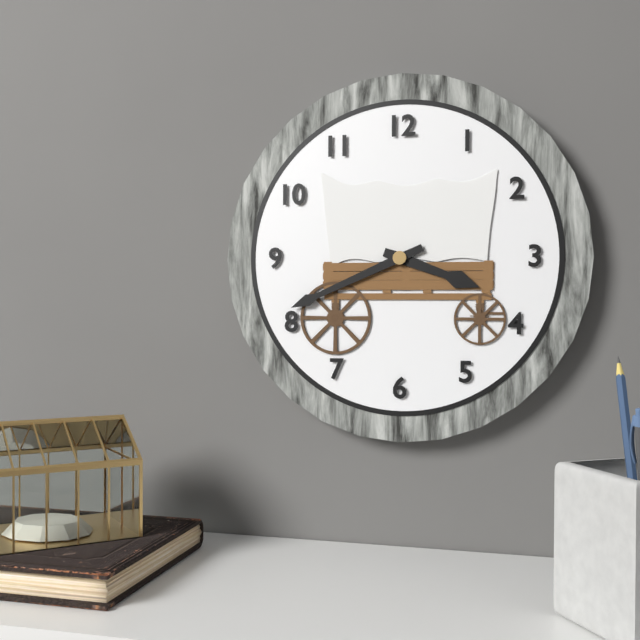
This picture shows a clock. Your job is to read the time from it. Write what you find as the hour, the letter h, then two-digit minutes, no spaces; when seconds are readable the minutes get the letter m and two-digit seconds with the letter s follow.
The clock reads 3h41
